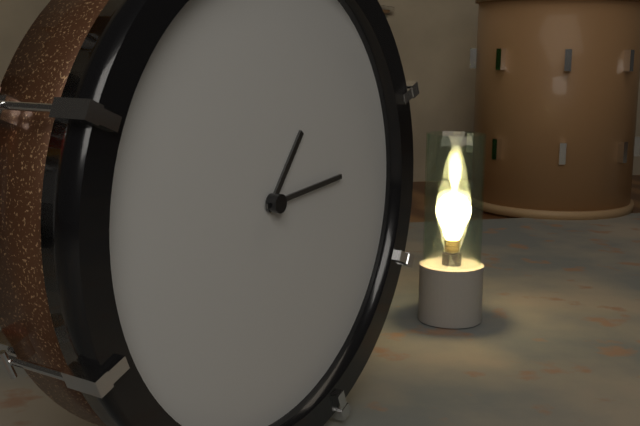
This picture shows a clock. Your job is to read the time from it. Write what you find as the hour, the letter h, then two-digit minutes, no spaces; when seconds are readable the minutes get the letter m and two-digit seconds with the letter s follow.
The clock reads 1h14
